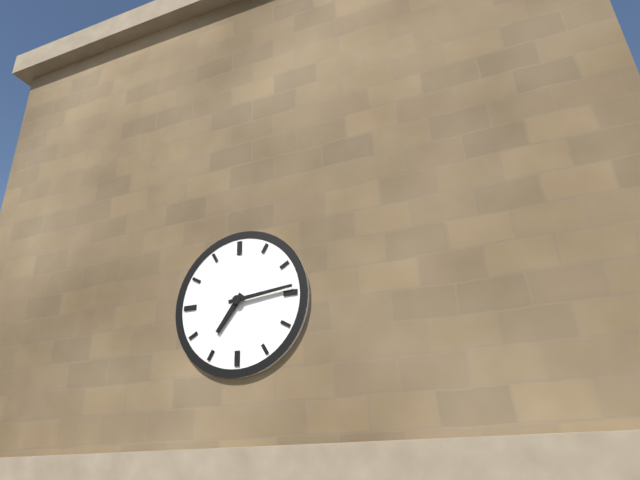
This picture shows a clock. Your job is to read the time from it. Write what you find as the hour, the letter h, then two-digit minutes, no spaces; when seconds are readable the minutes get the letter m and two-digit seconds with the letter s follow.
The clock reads 7h14
